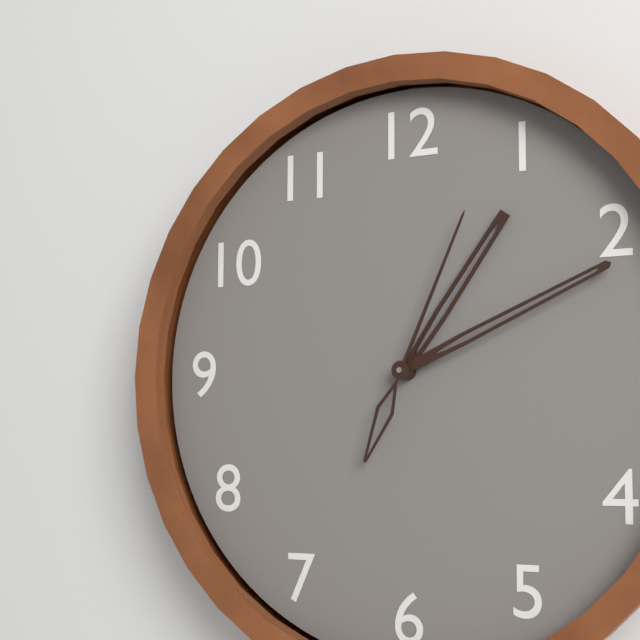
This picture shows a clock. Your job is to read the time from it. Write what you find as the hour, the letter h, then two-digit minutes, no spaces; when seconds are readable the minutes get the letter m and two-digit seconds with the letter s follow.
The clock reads 1h11m04s
